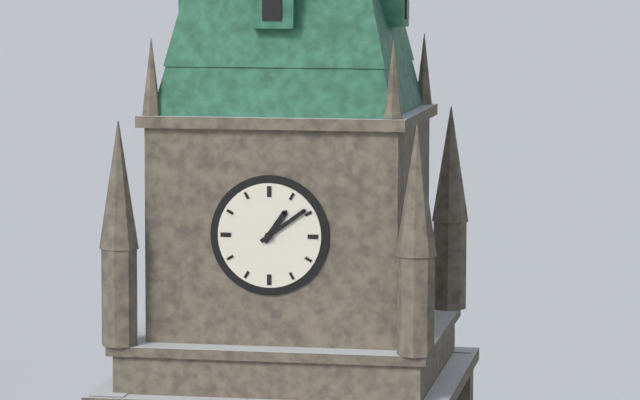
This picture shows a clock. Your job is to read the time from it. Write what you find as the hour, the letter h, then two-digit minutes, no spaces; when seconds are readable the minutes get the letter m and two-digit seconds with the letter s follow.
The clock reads 1h09
